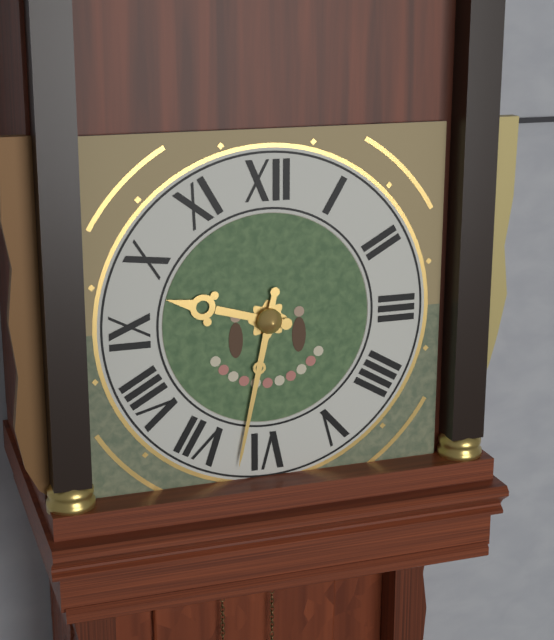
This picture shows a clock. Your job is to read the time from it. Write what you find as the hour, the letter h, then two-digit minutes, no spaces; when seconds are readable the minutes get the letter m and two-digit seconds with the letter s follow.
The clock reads 9h32
